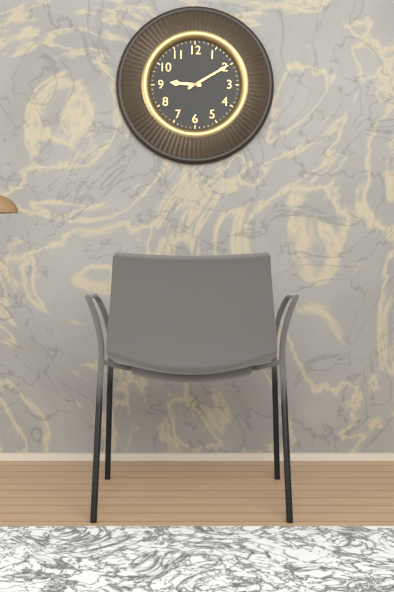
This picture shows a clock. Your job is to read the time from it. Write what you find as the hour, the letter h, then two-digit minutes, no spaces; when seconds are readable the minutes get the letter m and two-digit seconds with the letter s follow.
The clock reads 9h10
